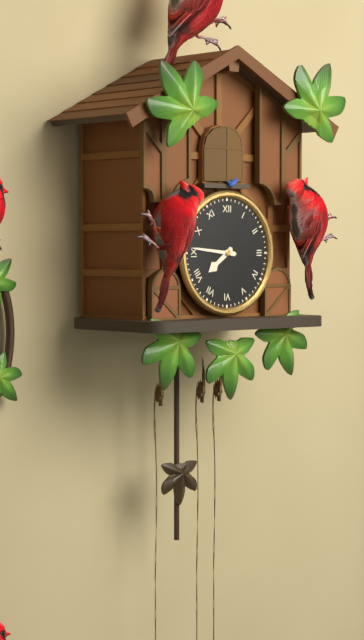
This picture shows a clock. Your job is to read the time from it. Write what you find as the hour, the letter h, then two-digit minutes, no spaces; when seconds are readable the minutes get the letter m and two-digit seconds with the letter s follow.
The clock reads 7h46
